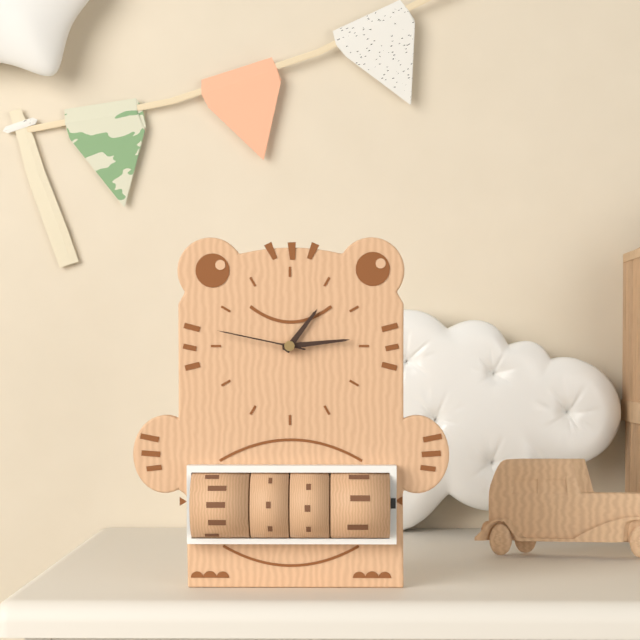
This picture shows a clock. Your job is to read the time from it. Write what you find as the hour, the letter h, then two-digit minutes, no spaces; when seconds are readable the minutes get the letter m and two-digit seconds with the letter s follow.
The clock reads 1h14m47s
